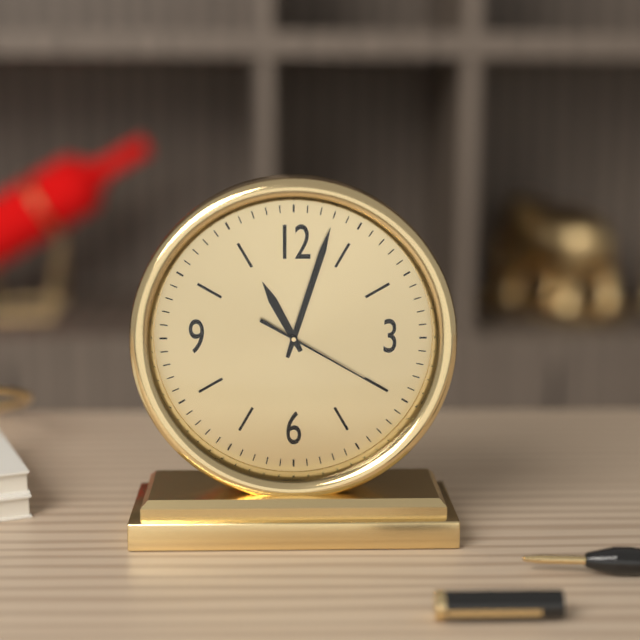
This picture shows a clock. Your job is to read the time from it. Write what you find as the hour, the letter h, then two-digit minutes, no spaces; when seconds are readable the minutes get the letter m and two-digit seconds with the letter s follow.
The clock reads 11h03m20s
